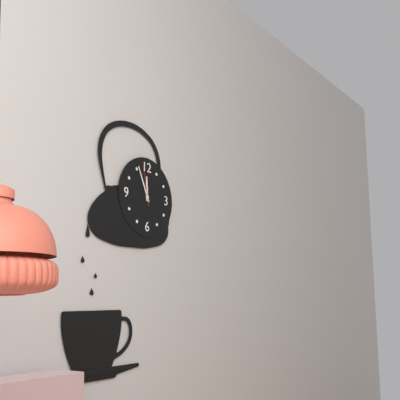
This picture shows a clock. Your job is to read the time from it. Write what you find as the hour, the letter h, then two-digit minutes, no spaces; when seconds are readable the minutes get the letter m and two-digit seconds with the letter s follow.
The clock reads 11h56
